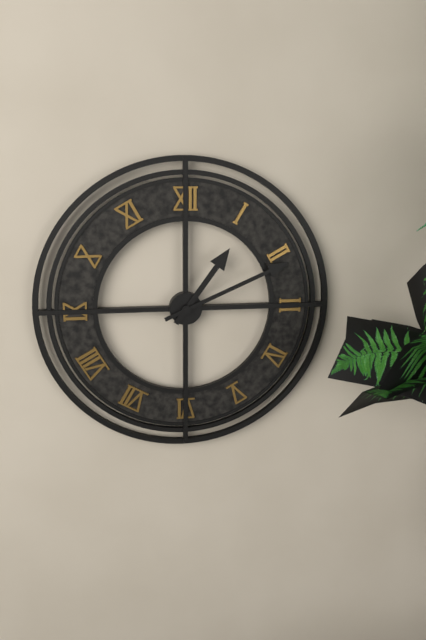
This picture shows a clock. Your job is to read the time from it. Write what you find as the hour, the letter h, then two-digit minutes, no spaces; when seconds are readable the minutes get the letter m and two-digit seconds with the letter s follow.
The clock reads 1h11
